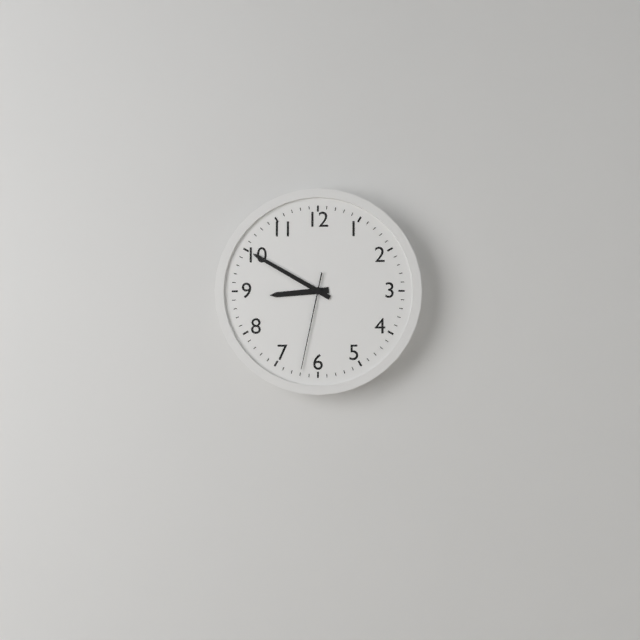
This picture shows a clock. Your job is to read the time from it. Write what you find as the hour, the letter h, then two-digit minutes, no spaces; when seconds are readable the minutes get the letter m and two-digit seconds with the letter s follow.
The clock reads 8h50m32s
